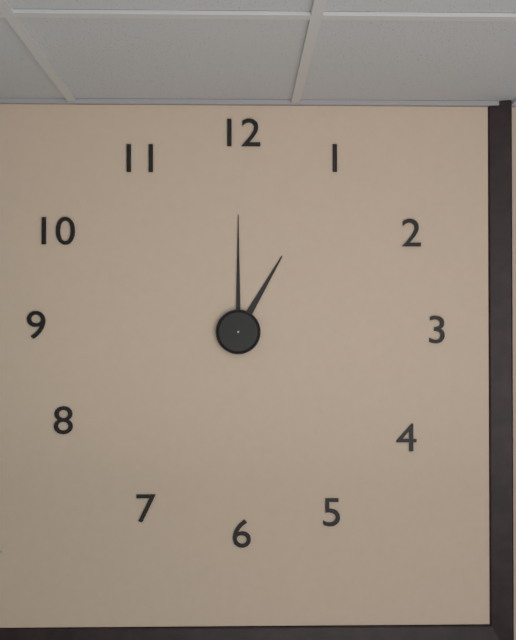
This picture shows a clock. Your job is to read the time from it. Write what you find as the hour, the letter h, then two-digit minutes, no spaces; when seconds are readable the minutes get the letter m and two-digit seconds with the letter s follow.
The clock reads 1h00
